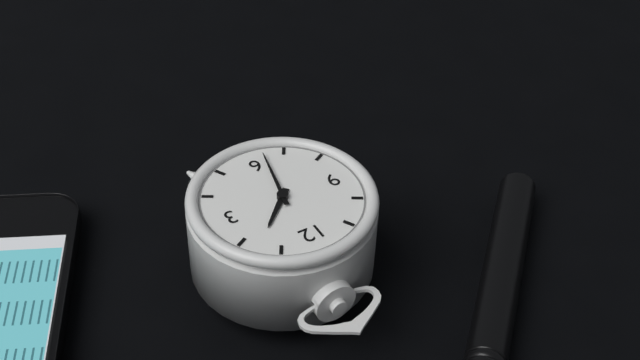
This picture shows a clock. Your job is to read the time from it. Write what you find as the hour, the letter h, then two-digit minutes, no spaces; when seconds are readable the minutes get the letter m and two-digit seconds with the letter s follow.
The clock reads 1h32
